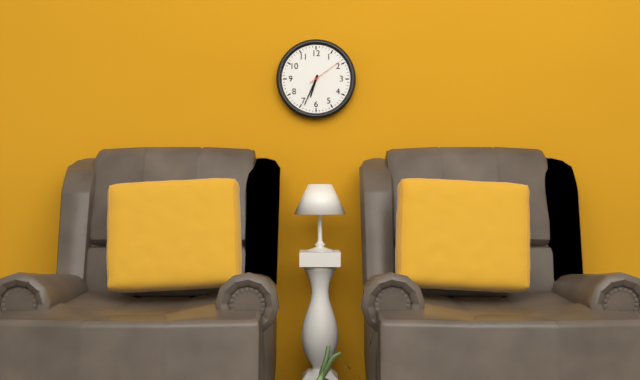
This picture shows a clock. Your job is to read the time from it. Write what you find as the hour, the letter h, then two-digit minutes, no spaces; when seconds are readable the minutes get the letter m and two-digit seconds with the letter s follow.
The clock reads 6h34
